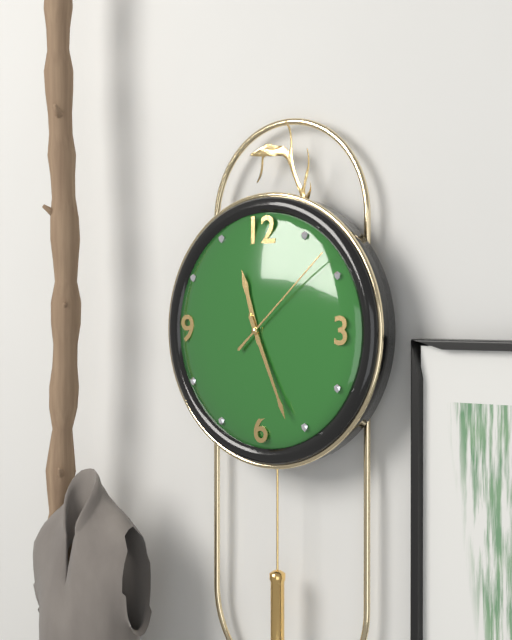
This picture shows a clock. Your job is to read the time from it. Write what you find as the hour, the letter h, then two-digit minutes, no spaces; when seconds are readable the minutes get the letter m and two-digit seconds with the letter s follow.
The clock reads 11h26m08s
